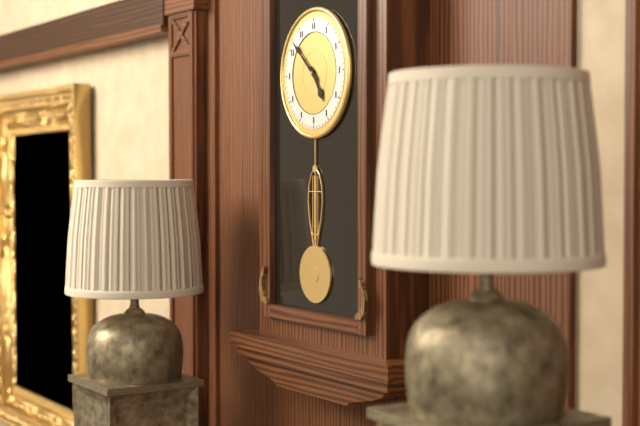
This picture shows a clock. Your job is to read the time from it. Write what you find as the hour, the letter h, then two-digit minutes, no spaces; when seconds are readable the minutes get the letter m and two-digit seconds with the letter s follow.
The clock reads 4h52
